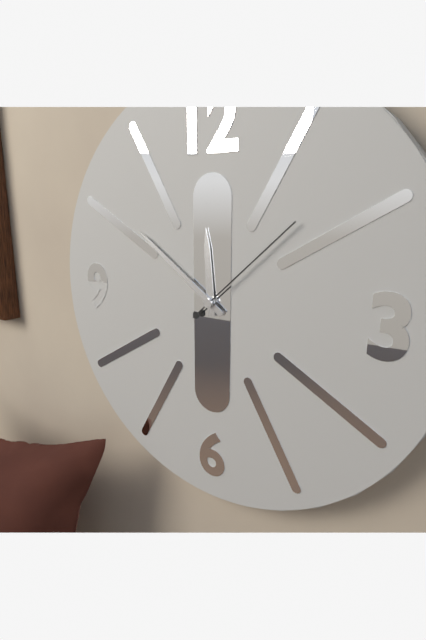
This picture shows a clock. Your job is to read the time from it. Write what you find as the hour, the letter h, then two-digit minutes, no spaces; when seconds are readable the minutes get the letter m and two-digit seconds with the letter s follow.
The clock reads 11h51m08s
